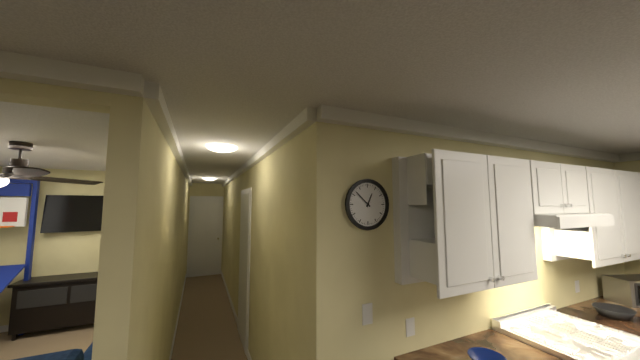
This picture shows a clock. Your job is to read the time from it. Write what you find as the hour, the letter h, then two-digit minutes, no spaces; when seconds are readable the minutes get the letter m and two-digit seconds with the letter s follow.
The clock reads 12h52
